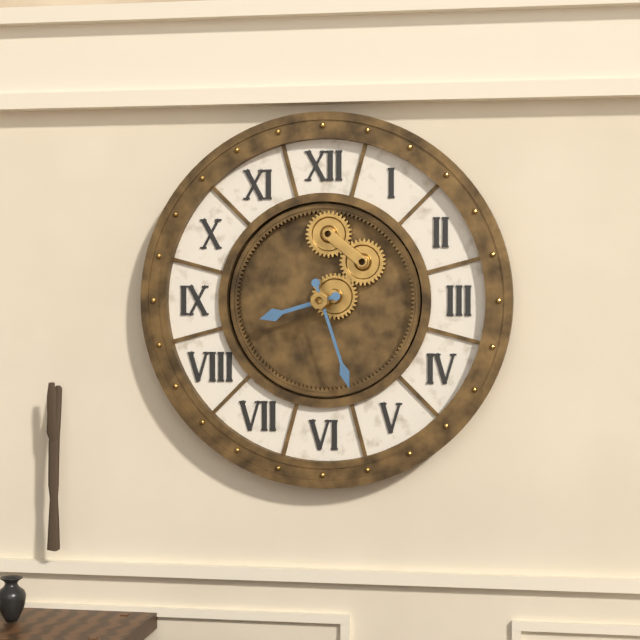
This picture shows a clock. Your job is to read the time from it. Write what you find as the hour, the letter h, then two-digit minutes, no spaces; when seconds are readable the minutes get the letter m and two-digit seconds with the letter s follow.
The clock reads 8h27
